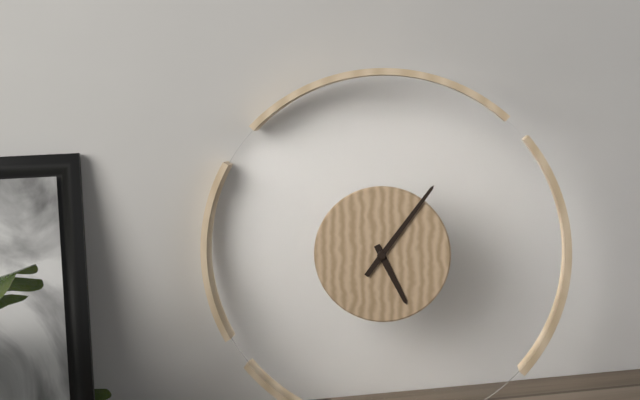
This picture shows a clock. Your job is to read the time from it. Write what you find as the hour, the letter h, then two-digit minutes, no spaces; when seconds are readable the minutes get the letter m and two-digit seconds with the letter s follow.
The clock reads 5h06
